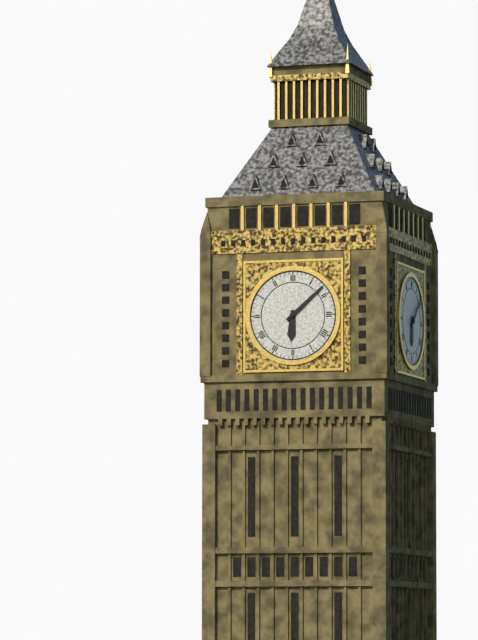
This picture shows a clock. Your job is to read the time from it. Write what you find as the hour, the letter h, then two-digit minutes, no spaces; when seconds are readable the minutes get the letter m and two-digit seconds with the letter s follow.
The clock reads 6h08
